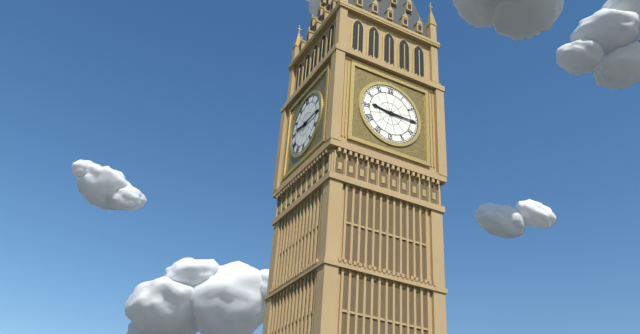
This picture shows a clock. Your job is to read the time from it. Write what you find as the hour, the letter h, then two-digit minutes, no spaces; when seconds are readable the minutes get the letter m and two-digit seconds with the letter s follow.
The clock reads 9h15
